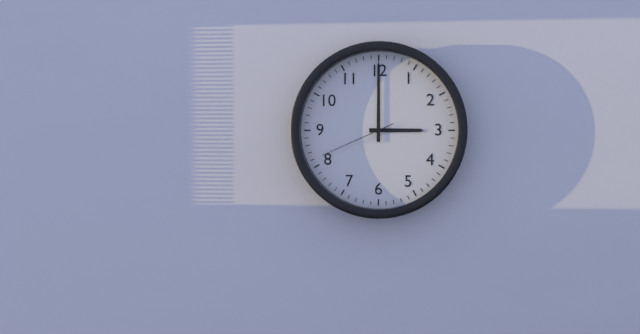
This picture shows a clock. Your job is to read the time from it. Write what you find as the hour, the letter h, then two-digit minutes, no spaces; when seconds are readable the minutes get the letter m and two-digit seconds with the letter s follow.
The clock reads 3h00m41s
